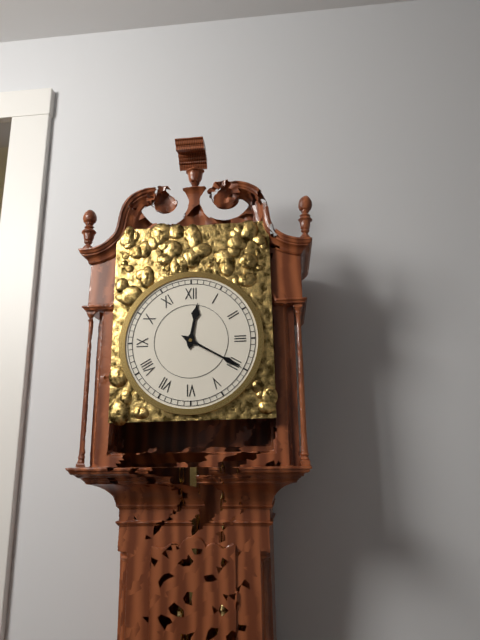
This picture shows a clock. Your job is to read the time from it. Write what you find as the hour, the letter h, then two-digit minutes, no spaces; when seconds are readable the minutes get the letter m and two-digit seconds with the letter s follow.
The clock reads 12h20
